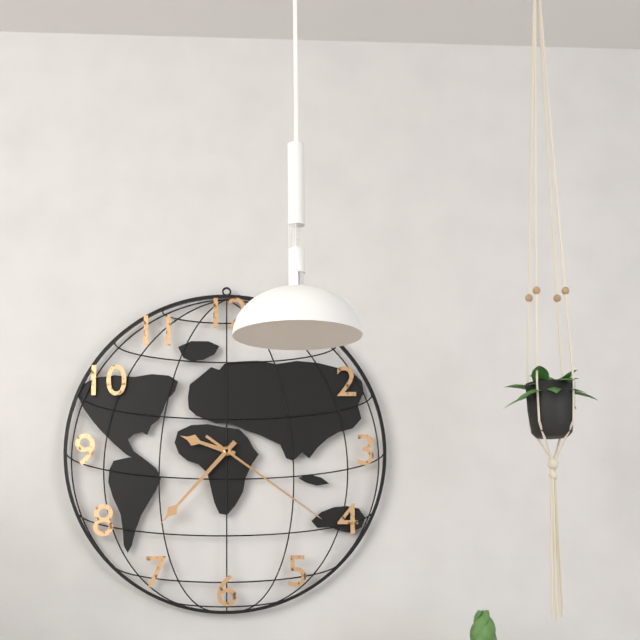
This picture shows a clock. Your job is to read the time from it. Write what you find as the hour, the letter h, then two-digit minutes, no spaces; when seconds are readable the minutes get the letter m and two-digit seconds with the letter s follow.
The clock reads 9h37m21s
